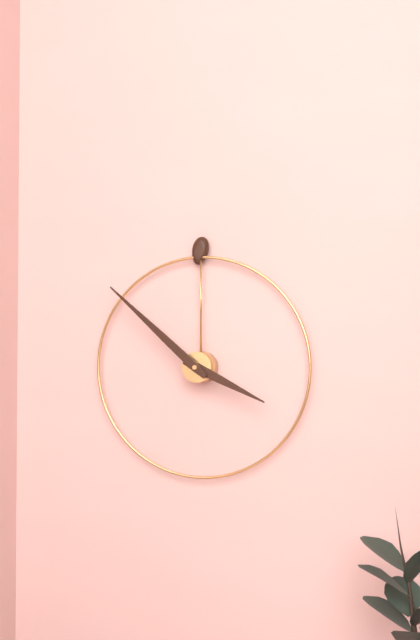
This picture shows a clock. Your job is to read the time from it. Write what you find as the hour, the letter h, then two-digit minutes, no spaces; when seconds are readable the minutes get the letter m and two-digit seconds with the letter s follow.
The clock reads 3h52
